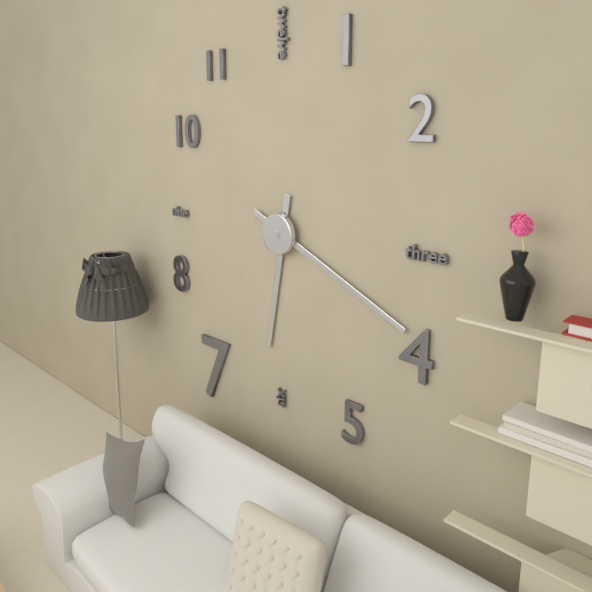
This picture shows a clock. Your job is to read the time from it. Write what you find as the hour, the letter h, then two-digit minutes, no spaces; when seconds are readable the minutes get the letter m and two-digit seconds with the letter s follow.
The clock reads 6h19
